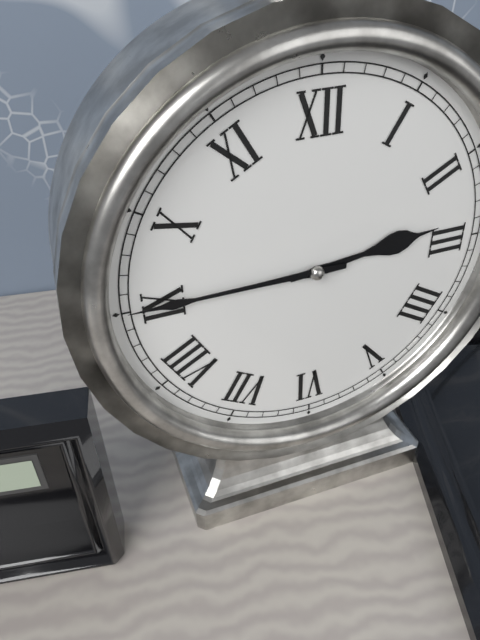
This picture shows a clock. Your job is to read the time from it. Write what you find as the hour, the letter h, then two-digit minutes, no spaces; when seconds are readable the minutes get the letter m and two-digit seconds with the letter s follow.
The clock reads 2h45
